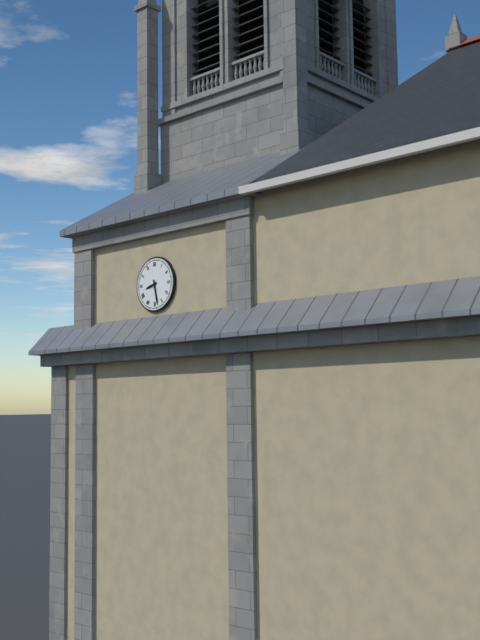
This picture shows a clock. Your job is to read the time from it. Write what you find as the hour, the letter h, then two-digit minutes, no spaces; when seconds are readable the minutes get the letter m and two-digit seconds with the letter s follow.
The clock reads 8h28
